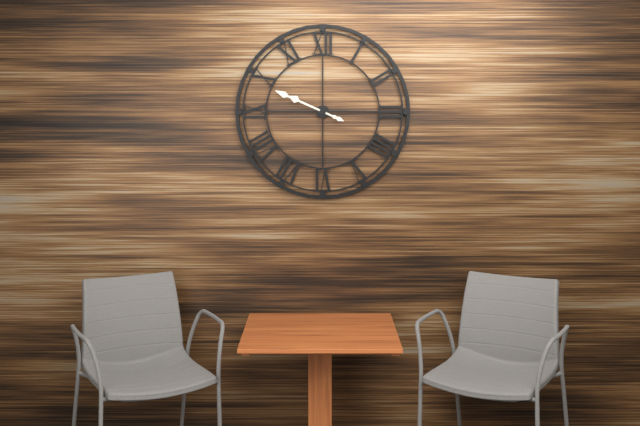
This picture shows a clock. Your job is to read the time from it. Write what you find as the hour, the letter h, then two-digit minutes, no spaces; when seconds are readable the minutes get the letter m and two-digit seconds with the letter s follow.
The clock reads 9h49
